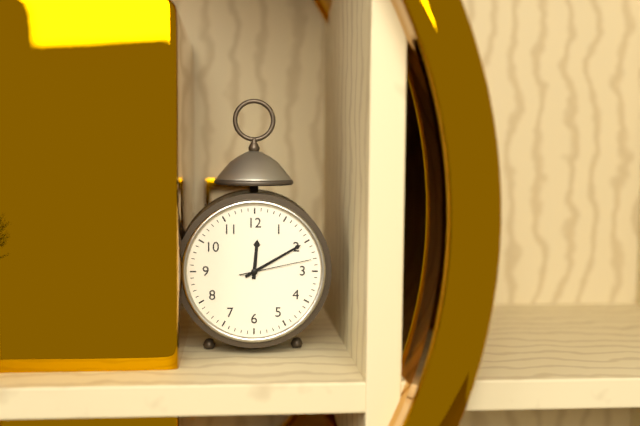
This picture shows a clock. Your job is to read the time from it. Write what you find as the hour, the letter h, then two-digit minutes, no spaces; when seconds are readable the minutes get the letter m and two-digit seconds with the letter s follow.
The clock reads 12h10m13s
